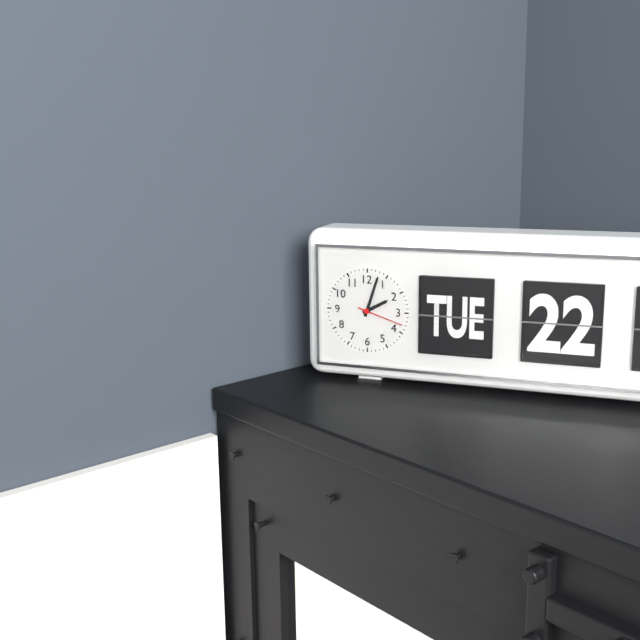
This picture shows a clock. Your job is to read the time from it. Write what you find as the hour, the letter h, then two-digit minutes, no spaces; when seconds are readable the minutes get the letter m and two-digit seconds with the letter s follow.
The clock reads 2h03
